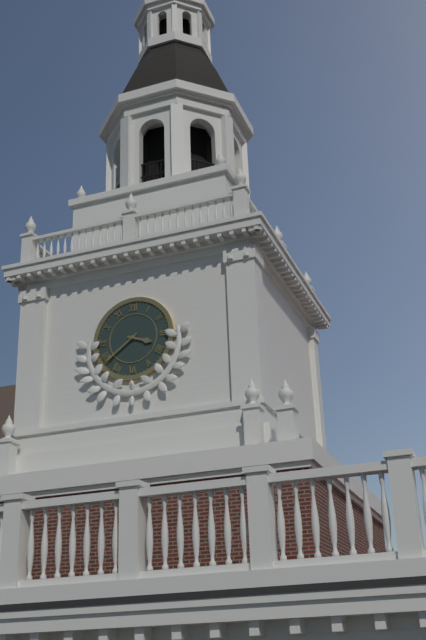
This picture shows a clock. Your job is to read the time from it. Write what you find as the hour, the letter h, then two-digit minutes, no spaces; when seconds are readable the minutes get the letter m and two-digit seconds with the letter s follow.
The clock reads 3h39
